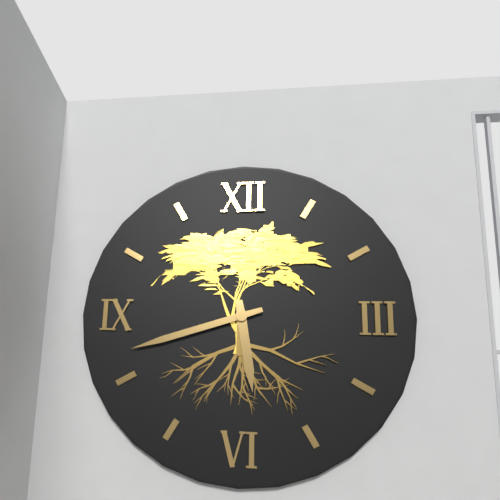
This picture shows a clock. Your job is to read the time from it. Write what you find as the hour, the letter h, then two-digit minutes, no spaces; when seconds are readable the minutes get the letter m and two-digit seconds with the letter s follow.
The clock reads 5h42
